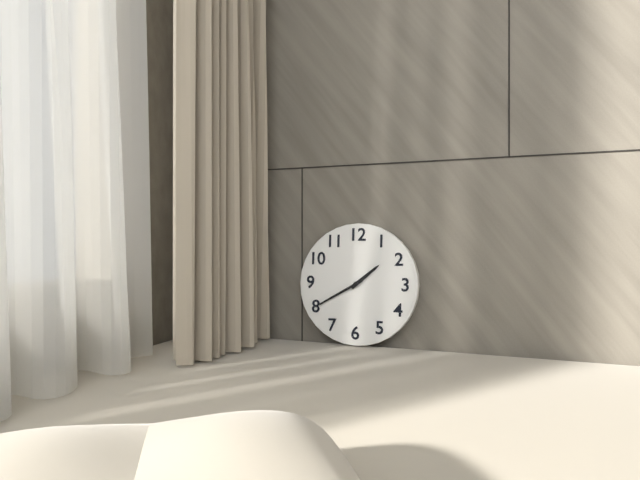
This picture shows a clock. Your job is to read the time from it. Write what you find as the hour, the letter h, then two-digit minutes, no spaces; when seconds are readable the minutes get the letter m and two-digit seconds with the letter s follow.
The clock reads 1h40
